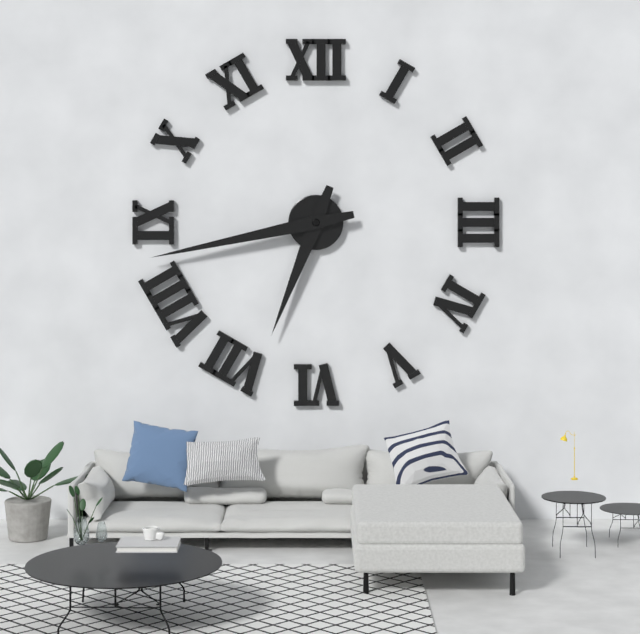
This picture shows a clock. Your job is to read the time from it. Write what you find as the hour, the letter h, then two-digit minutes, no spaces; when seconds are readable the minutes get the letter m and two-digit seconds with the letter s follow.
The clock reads 6h43
